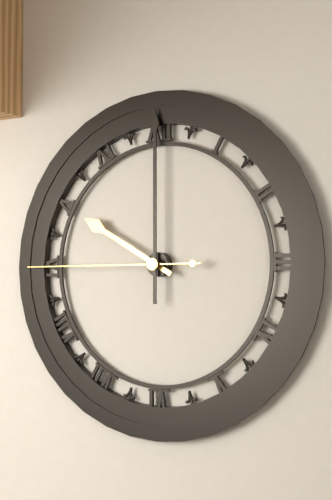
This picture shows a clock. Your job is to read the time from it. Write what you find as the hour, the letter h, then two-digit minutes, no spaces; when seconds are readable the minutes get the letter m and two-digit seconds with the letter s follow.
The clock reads 10h00m45s
